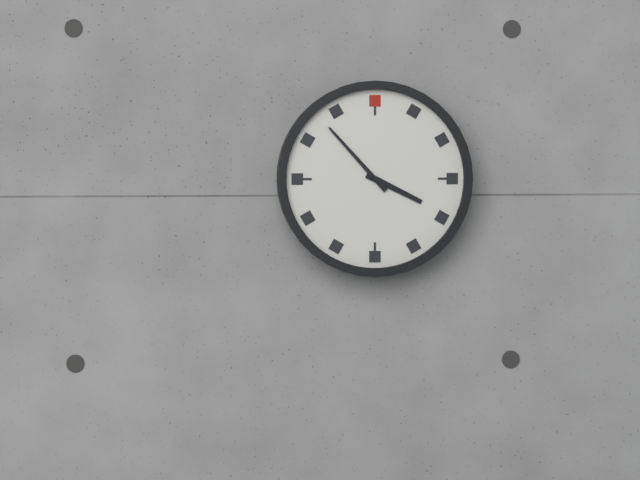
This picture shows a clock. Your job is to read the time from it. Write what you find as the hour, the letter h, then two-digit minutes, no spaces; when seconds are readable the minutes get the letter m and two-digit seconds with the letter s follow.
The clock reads 3h53
